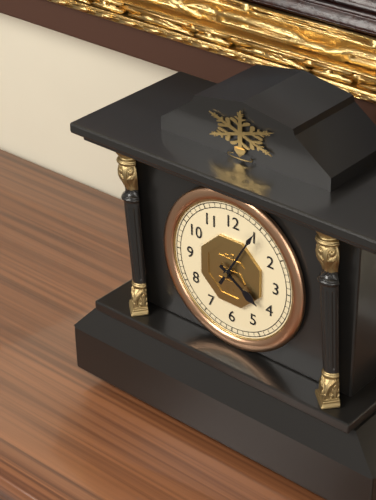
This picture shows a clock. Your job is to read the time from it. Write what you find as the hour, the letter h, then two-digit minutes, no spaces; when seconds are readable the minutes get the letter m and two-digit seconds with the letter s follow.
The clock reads 4h05
